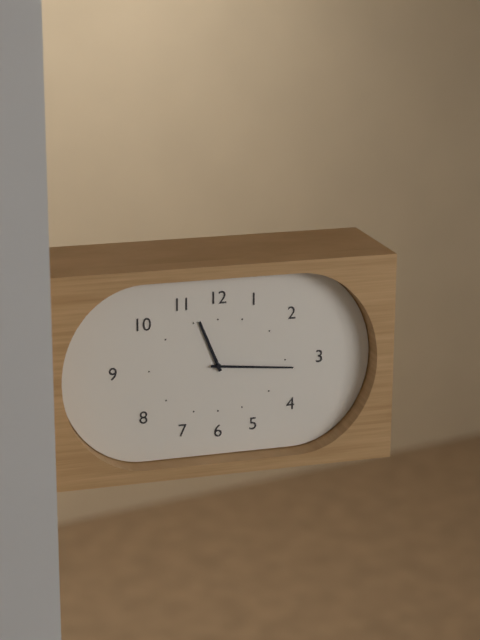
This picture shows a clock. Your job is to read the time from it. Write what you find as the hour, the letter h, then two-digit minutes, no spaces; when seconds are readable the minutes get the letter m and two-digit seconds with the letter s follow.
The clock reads 11h16
